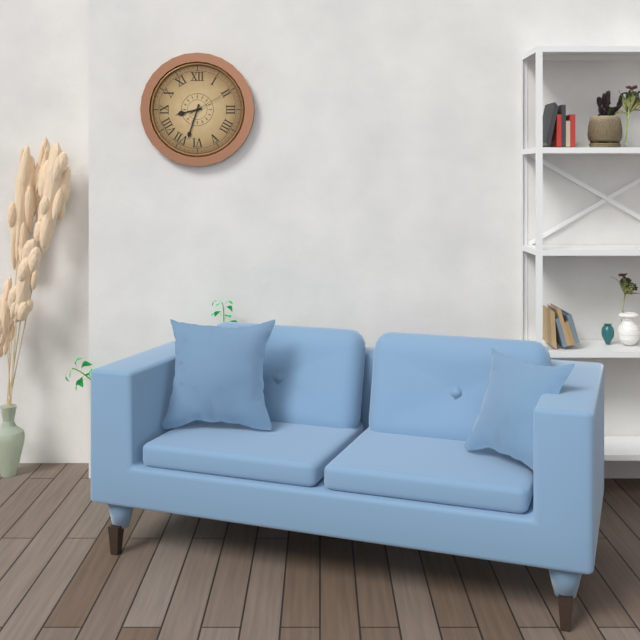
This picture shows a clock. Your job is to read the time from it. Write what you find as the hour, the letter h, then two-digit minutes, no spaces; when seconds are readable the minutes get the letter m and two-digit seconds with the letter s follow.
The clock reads 8h33
